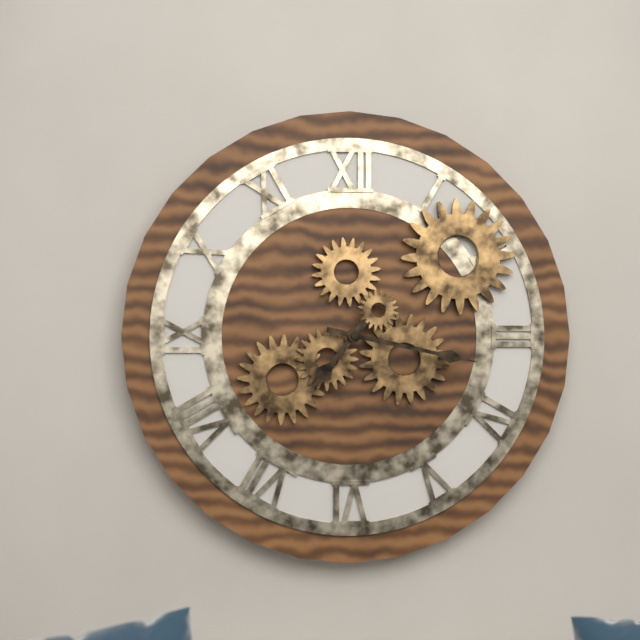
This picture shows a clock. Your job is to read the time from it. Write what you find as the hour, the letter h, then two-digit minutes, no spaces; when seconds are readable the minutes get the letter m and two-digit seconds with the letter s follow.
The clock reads 7h17
